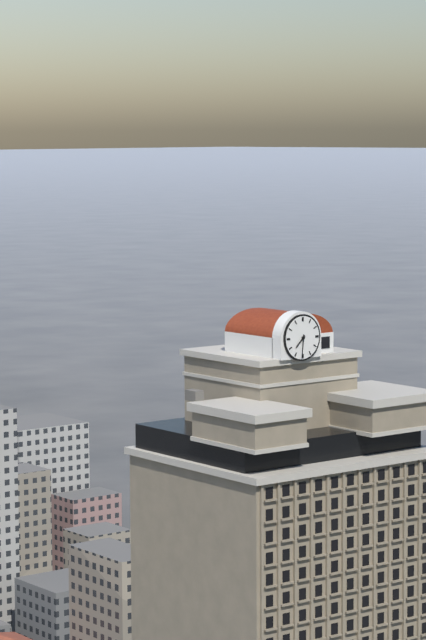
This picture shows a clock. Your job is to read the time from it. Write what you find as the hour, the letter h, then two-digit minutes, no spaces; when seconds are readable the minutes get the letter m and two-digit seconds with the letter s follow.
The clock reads 7h31
